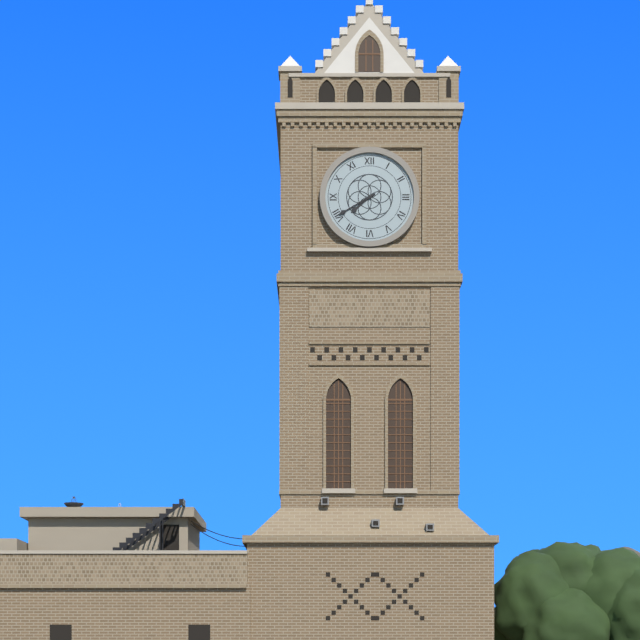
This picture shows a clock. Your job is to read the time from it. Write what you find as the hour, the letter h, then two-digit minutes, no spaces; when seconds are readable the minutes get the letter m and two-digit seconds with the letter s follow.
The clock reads 7h40
